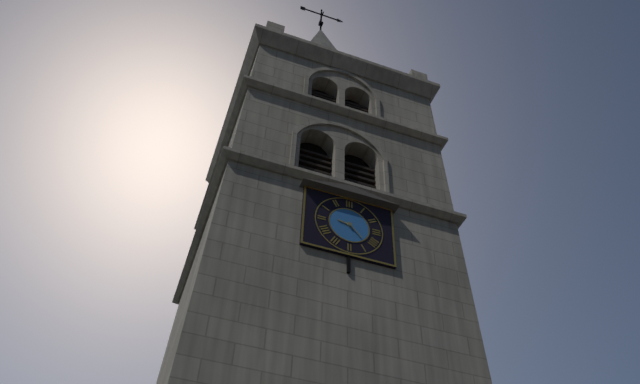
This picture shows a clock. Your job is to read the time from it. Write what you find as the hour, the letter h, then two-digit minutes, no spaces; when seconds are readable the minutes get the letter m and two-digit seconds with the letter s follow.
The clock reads 9h23
